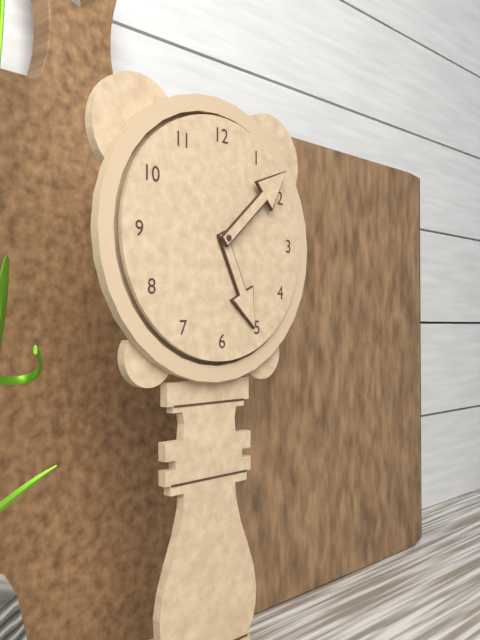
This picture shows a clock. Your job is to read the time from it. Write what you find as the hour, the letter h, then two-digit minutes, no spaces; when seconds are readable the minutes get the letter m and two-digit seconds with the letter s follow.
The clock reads 5h08
